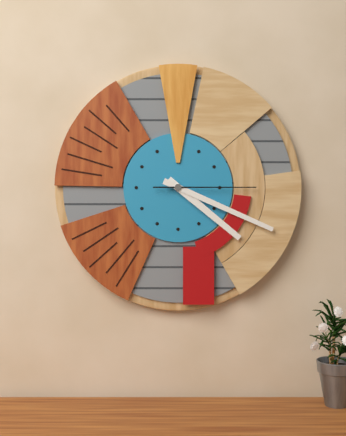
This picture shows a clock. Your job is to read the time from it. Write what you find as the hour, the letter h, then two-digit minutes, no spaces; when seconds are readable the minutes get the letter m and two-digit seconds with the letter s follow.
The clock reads 4h19m15s
